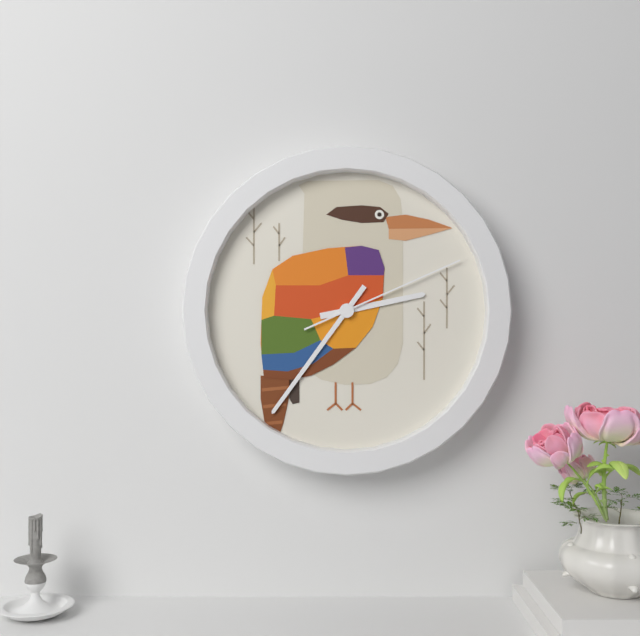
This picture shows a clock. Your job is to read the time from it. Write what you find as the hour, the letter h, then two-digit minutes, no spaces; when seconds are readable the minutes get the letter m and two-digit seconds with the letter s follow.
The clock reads 2h36m11s
